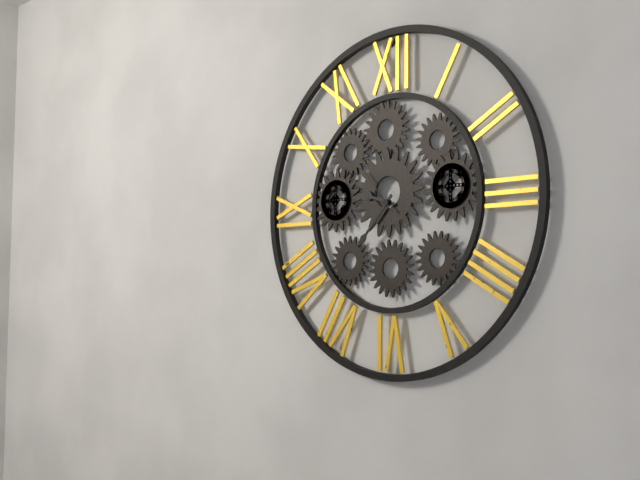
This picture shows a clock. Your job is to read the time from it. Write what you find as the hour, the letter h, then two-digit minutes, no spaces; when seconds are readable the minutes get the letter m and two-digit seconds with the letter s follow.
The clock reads 9h37m53s
